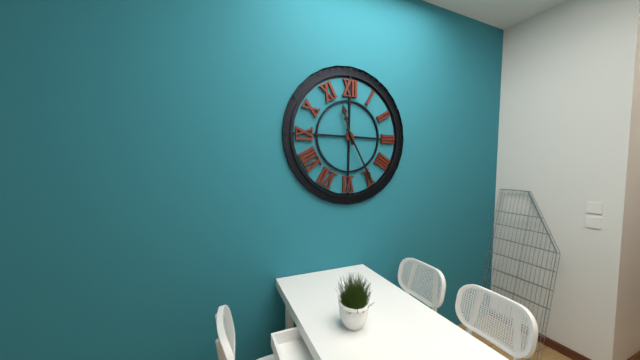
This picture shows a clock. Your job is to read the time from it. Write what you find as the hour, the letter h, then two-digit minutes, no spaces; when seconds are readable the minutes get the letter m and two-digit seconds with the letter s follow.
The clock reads 11h25
